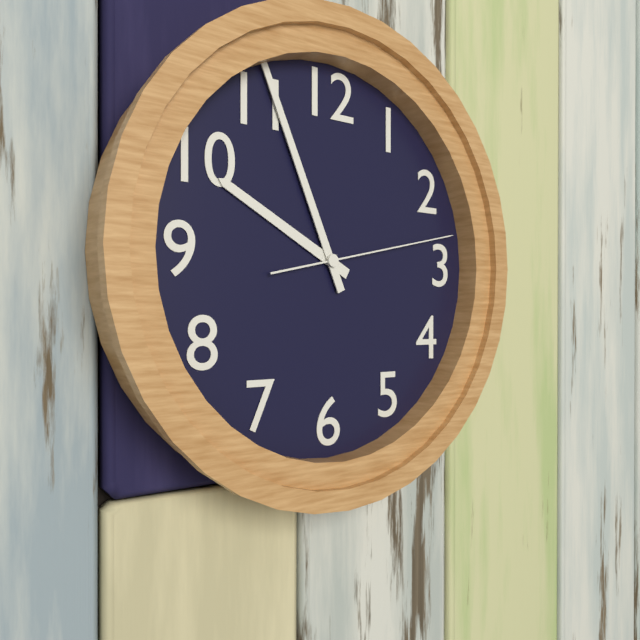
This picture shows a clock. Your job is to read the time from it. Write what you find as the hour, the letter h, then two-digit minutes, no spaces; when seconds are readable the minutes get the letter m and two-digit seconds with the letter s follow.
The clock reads 9h56m13s
